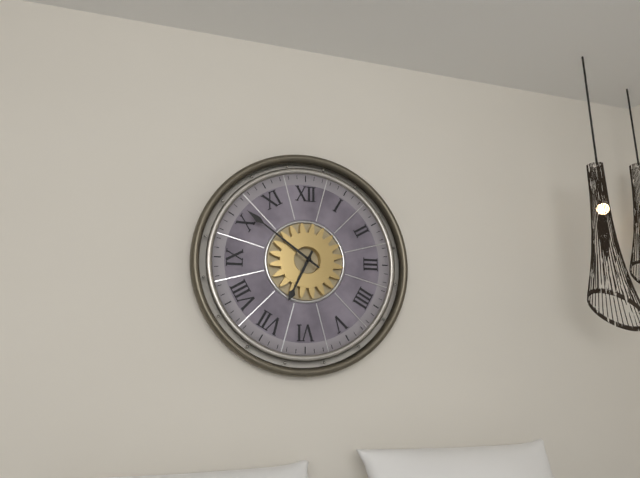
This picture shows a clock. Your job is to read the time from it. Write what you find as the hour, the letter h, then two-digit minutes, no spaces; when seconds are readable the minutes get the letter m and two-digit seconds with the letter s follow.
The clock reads 6h51
